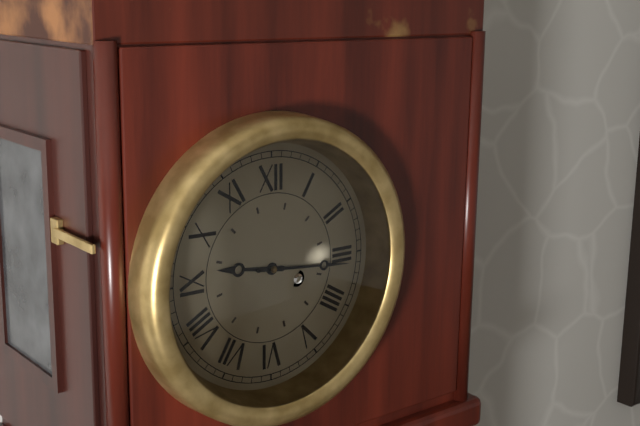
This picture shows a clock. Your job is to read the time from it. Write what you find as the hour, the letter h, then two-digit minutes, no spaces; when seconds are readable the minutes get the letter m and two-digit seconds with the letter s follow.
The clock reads 9h16
